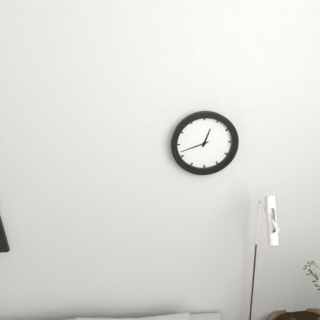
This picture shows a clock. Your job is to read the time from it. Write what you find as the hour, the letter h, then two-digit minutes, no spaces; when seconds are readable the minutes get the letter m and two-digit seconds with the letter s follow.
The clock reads 12h42
